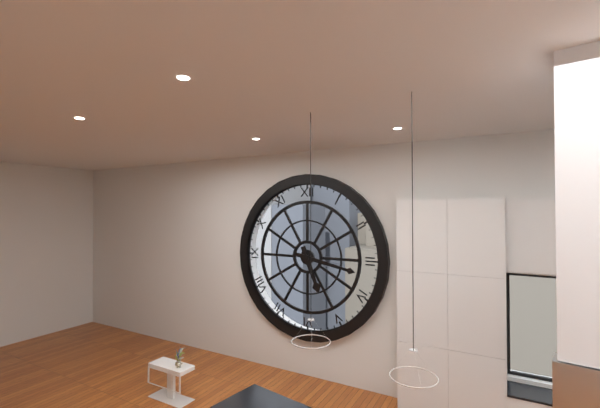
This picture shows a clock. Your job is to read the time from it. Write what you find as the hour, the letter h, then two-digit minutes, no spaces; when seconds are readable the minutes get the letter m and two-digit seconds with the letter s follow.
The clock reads 5h17
